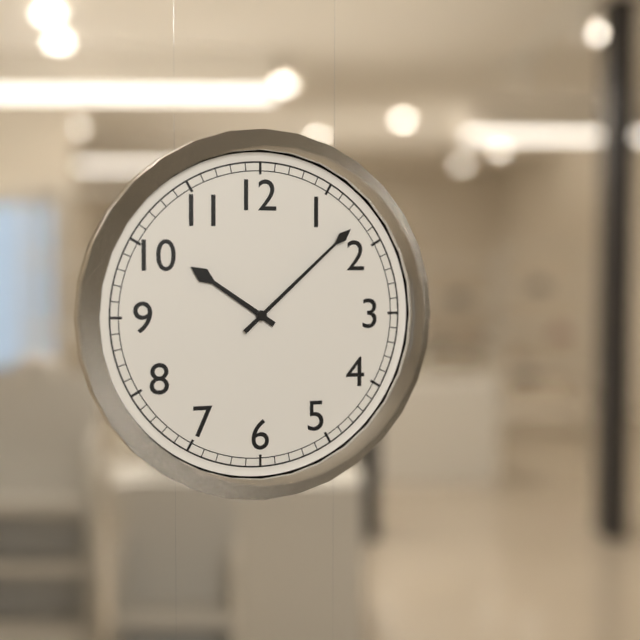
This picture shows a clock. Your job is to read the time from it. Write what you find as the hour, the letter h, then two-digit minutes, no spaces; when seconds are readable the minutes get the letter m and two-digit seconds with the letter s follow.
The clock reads 10h08
